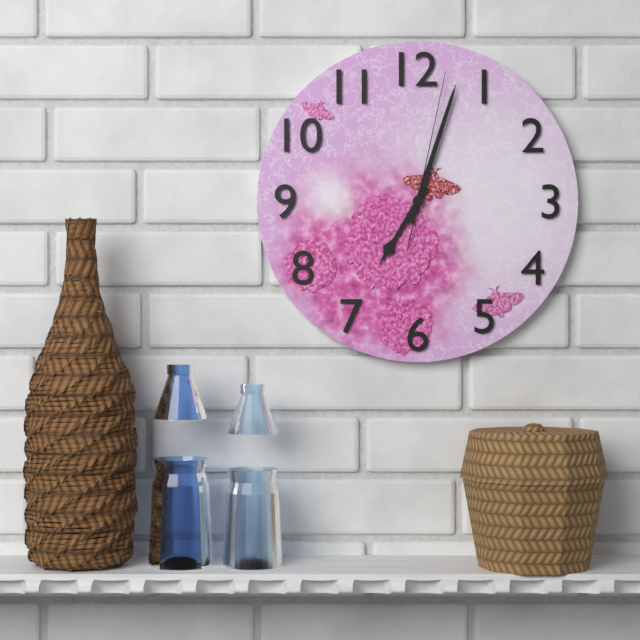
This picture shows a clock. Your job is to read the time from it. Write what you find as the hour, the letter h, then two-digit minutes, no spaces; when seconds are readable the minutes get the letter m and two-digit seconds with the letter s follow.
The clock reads 7h03m02s
